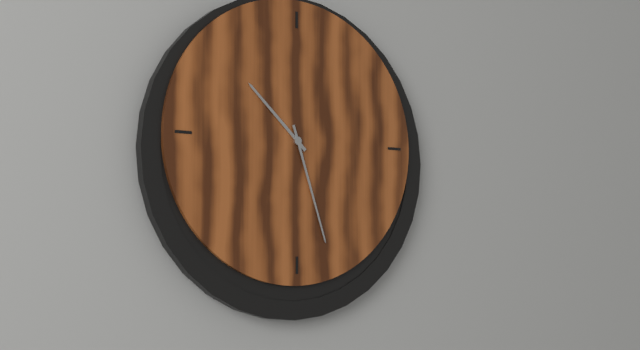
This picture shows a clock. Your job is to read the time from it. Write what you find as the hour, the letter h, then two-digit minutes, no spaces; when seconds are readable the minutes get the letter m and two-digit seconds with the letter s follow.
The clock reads 10h27
